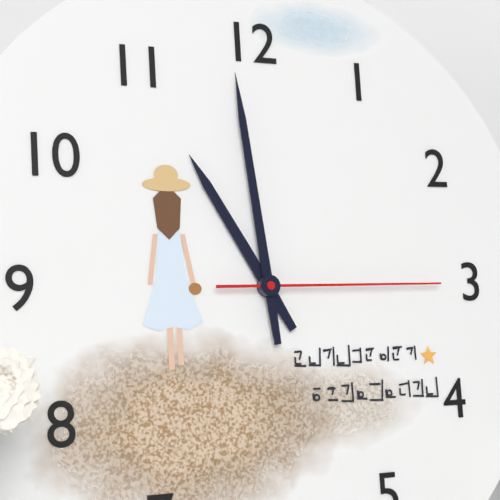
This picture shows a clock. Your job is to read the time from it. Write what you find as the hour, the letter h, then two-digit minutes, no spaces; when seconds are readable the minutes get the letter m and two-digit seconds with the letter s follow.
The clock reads 10h59m15s
